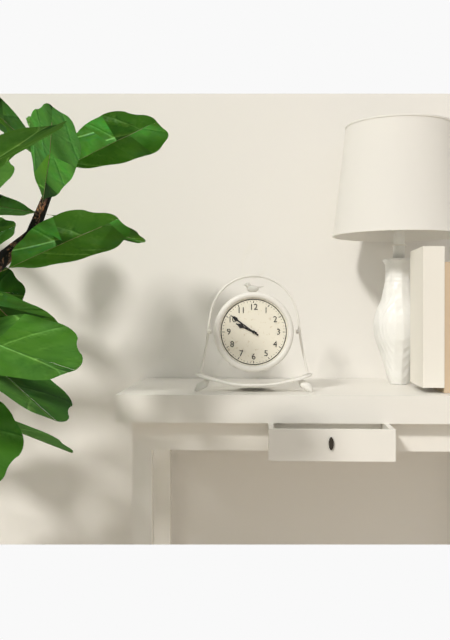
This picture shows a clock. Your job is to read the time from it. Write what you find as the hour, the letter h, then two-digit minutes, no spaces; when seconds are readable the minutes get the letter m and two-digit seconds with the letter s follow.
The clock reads 9h51
